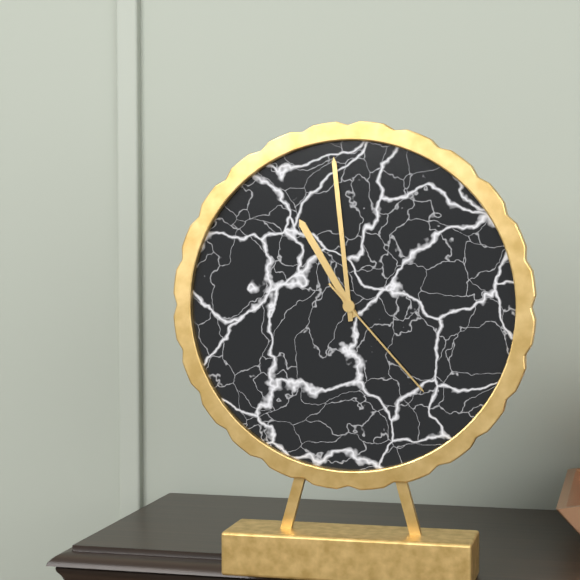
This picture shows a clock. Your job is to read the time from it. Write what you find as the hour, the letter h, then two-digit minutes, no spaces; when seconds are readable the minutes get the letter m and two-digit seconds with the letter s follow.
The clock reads 10h59m23s
